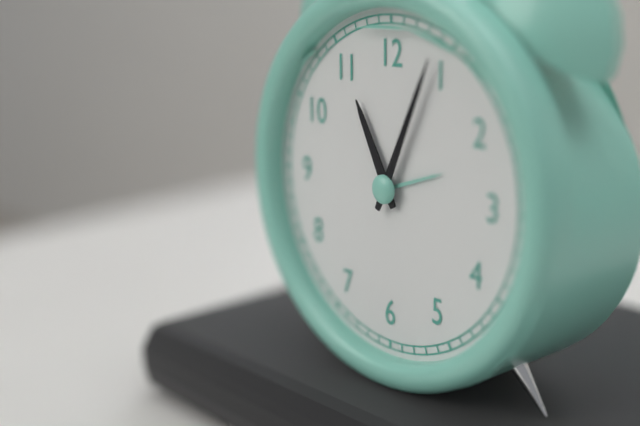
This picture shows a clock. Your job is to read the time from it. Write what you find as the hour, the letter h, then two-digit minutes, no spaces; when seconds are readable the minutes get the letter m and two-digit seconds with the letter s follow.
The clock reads 11h04
